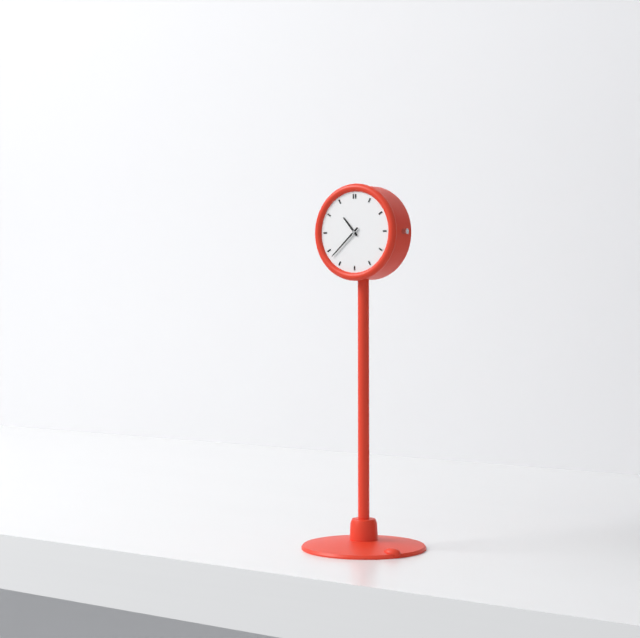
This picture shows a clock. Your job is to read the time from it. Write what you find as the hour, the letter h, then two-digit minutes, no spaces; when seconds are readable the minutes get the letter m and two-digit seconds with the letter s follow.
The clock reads 10h38
